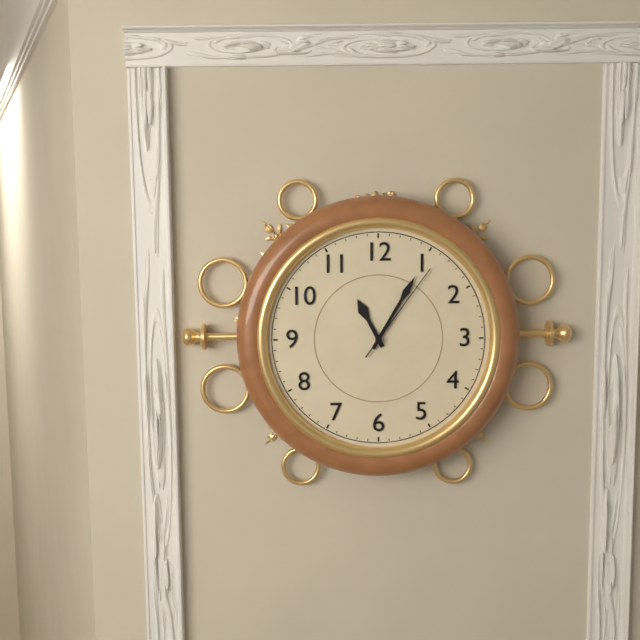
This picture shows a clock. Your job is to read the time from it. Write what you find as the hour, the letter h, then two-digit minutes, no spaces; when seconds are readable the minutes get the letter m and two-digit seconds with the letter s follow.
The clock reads 11h05m06s
